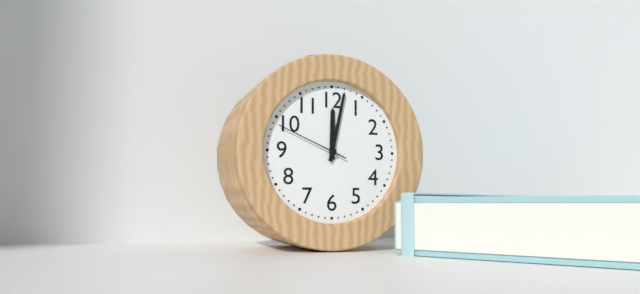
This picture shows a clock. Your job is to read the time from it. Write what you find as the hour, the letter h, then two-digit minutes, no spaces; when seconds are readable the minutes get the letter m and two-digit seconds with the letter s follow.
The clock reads 12h02m49s
